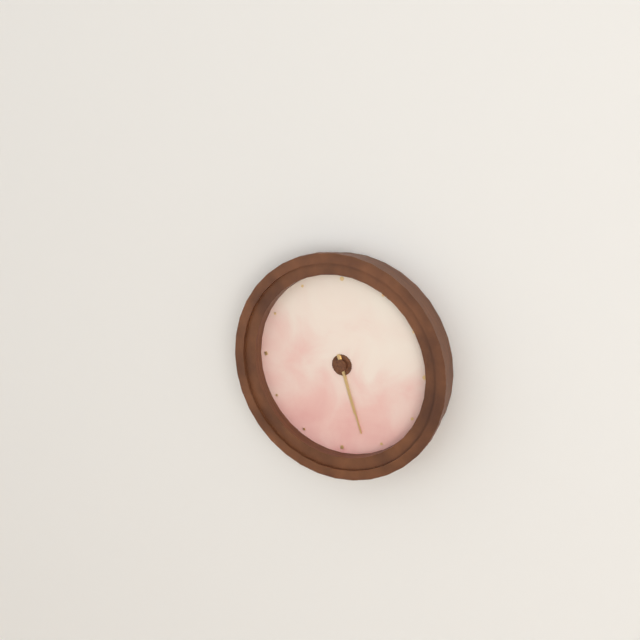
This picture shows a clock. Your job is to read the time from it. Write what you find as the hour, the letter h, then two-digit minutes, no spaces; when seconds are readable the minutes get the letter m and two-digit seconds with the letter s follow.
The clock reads 5h27
